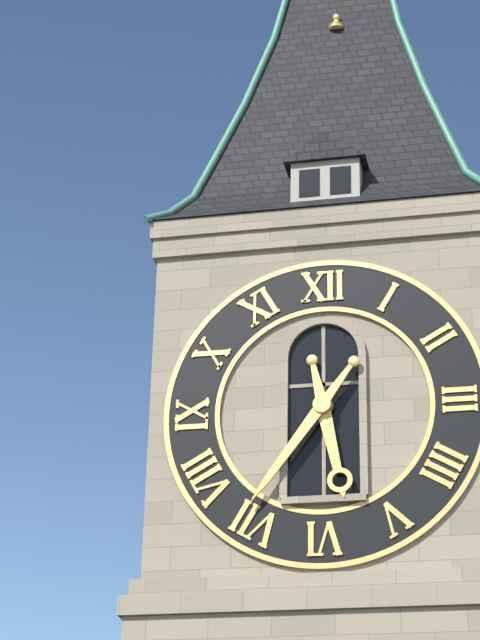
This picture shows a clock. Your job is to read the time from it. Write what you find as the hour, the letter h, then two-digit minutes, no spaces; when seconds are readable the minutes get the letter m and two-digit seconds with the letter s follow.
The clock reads 5h36
